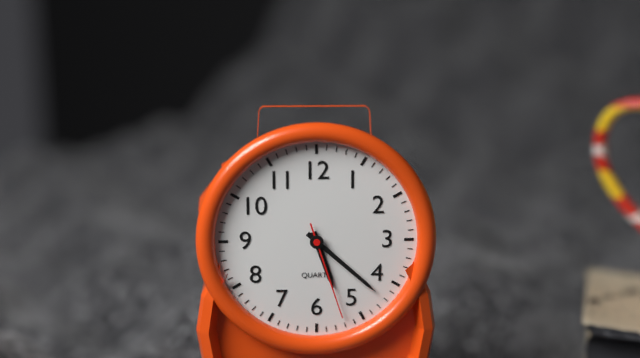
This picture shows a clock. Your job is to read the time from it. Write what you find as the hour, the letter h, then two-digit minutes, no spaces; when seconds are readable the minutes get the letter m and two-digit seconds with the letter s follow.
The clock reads 5h22m27s
